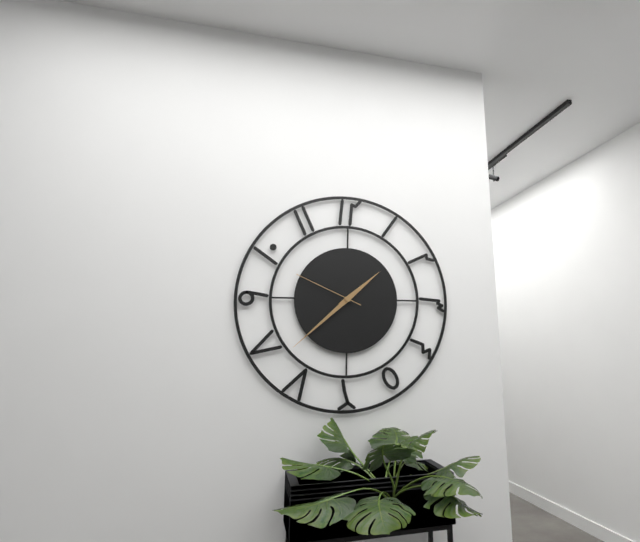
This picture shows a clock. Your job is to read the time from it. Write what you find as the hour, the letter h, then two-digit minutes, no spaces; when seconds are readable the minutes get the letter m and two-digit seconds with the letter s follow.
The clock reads 1h38m49s
